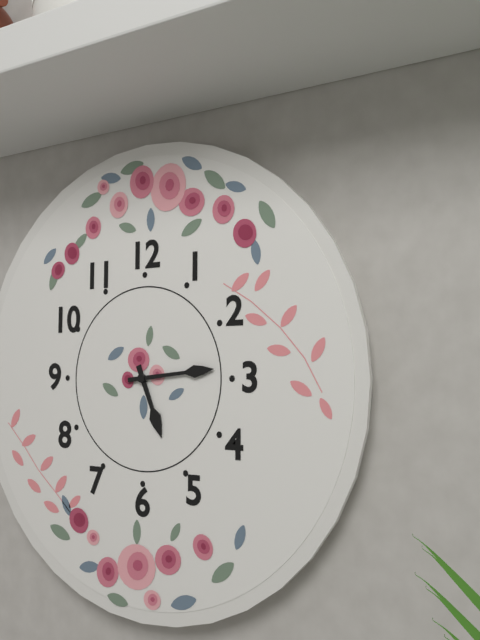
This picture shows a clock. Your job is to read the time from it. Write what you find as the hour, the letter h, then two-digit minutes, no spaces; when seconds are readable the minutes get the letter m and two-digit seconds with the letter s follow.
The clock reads 5h14
